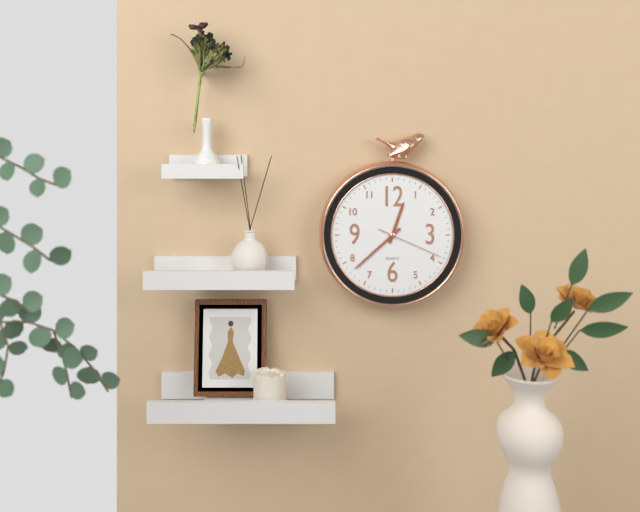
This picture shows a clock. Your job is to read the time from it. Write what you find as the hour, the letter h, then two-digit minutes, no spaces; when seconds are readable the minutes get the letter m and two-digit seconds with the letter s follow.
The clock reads 12h38m19s
